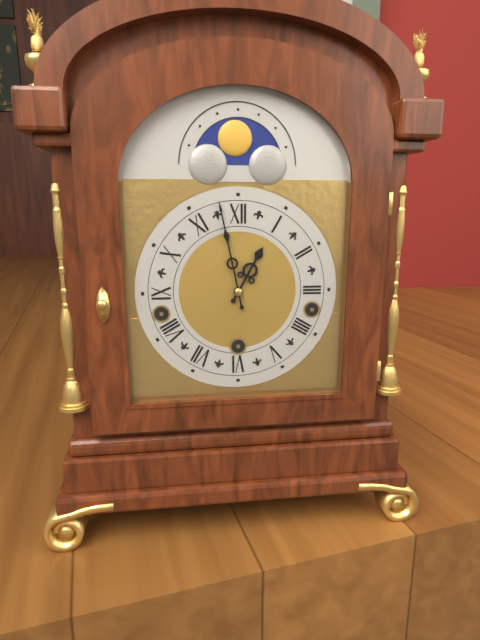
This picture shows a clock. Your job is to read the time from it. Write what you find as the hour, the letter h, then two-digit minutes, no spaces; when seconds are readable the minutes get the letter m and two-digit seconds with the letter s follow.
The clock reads 12h58
